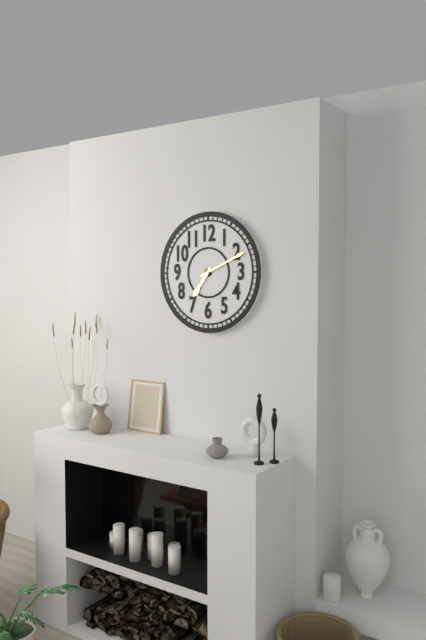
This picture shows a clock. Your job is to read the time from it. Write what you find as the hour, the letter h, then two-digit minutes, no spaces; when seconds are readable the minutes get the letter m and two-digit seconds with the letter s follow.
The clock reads 7h11
